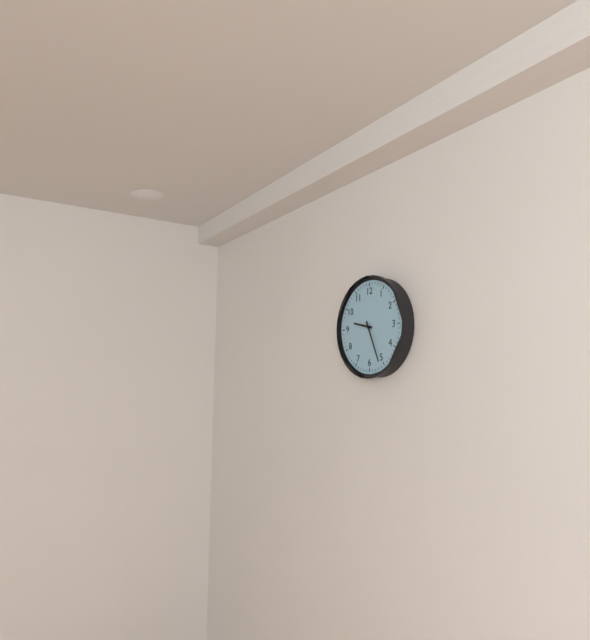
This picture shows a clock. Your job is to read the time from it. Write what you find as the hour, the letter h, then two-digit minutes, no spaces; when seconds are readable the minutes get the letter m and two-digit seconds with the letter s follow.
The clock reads 9h26
